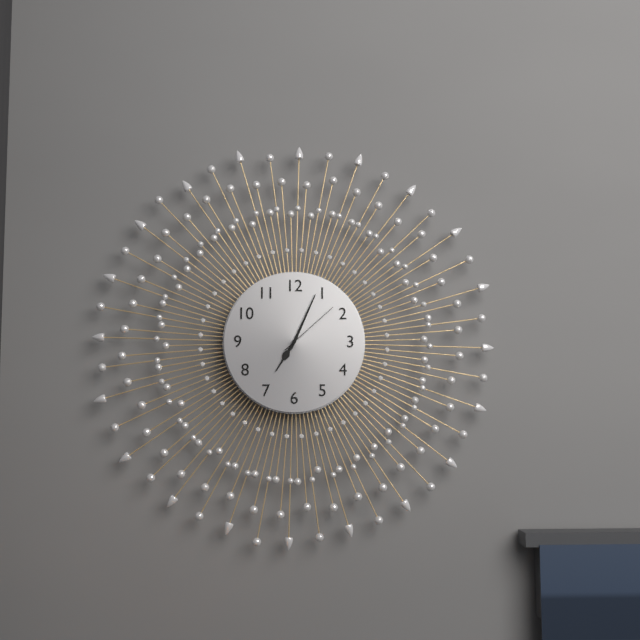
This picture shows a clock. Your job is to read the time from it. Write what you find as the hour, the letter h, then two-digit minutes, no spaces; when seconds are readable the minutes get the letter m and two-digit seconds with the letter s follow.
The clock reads 7h04m08s
